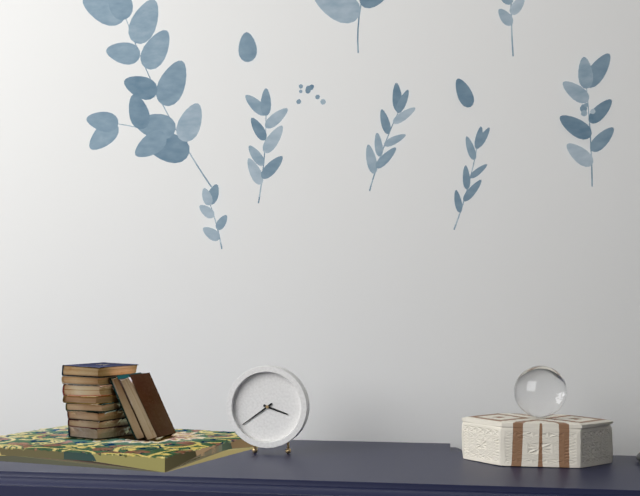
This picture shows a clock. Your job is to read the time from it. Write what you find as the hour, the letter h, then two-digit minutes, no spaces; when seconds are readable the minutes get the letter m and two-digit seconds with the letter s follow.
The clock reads 3h39
